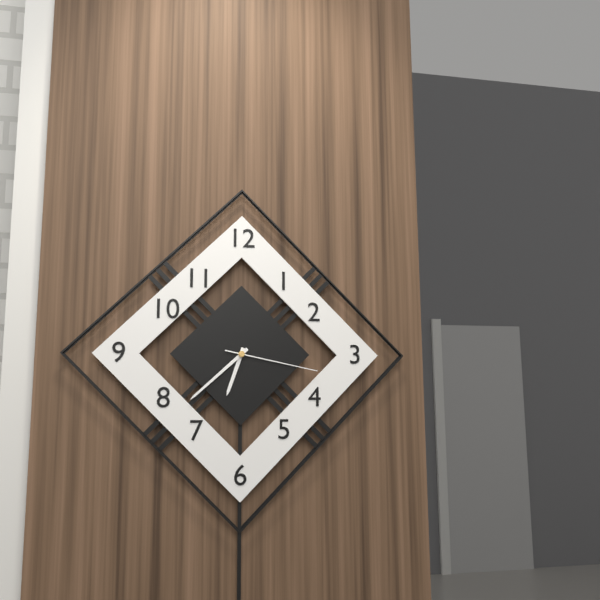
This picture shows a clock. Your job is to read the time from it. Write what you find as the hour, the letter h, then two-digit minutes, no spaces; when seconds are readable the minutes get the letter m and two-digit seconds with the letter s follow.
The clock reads 6h38m17s
